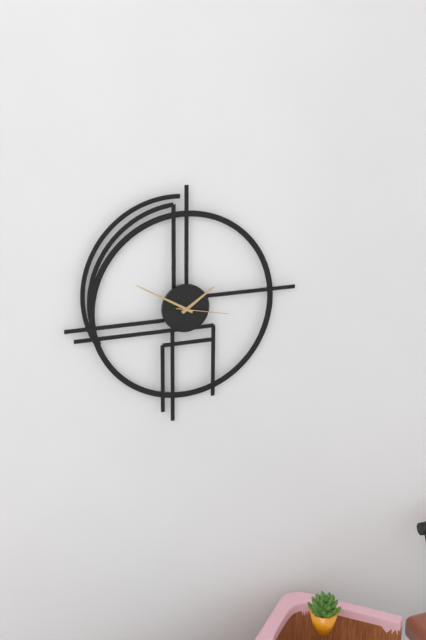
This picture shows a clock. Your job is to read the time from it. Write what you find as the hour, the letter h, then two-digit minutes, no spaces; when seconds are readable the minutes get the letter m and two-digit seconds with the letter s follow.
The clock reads 1h50m17s
